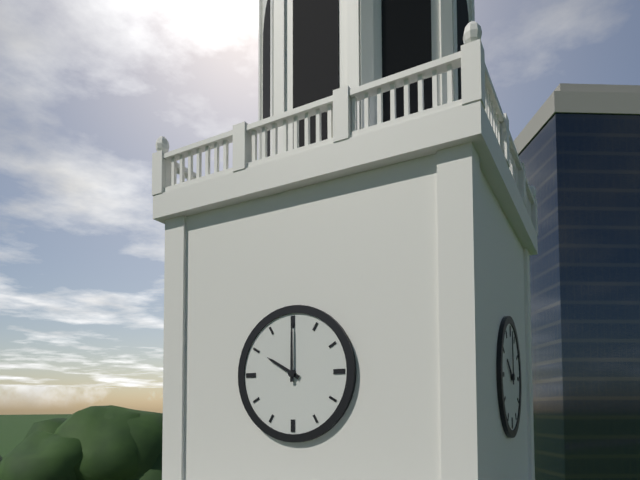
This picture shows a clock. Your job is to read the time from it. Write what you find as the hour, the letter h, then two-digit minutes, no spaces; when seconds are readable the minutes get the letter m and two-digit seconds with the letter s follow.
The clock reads 10h00
